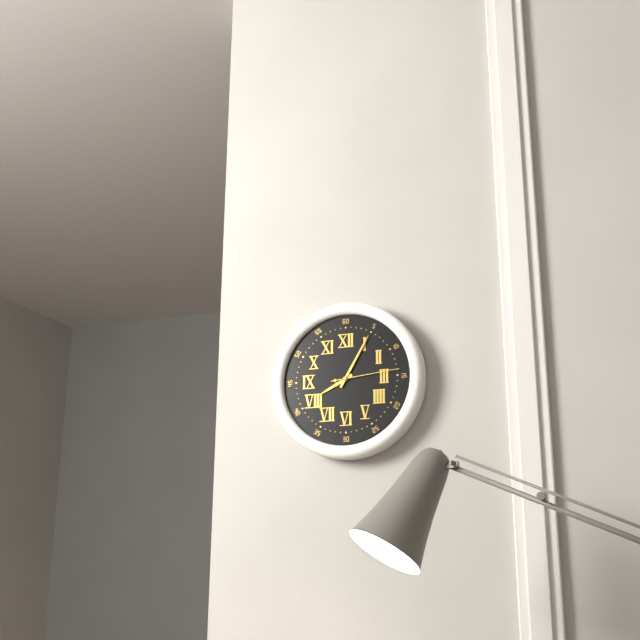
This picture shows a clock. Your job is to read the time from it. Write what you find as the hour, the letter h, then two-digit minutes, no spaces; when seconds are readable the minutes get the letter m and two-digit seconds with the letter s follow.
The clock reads 8h05m14s
